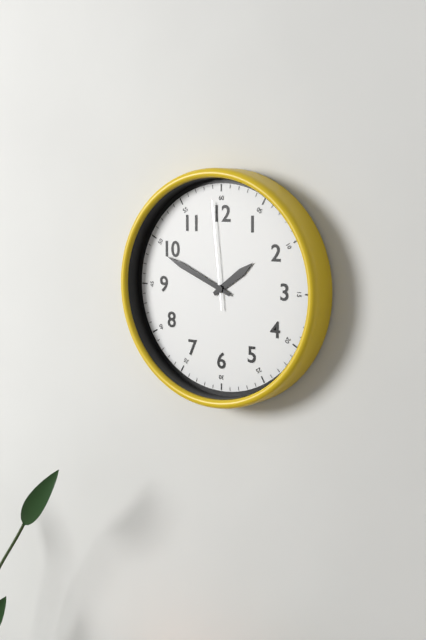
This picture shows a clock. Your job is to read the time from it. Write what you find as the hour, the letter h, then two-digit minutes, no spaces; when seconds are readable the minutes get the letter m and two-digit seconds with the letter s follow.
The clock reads 1h49m59s
